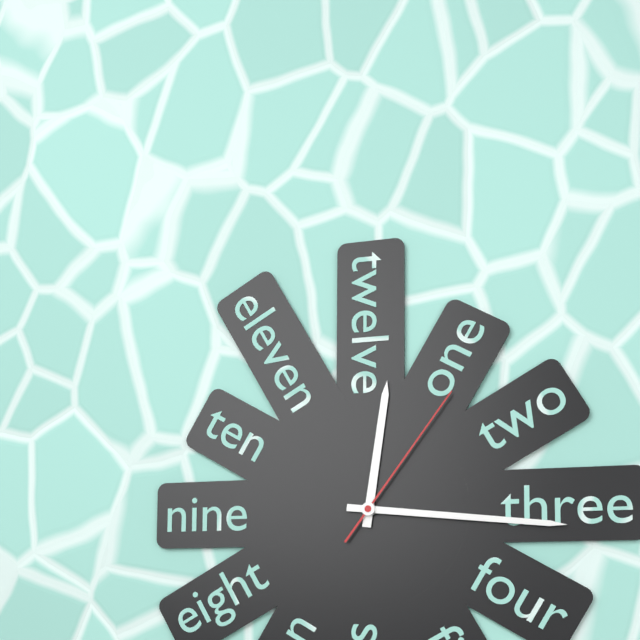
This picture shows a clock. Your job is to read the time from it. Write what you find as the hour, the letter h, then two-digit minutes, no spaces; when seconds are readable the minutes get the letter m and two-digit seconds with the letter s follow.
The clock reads 12h16m06s
